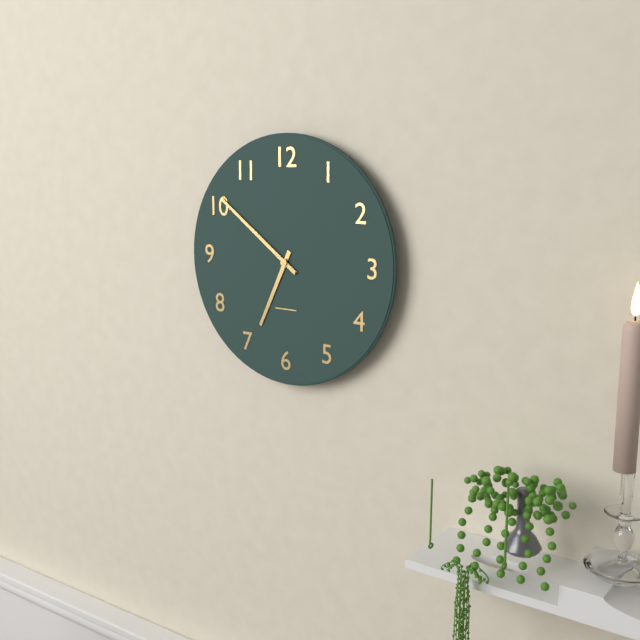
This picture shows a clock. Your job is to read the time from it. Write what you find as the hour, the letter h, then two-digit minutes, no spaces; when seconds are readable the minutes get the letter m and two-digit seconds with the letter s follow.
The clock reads 6h51
